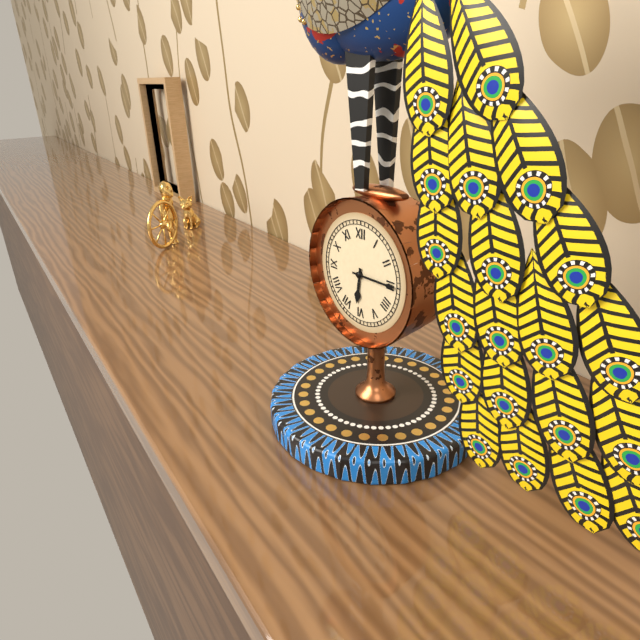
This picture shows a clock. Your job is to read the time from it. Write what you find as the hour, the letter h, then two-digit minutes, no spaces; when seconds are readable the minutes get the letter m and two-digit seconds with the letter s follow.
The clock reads 6h15
